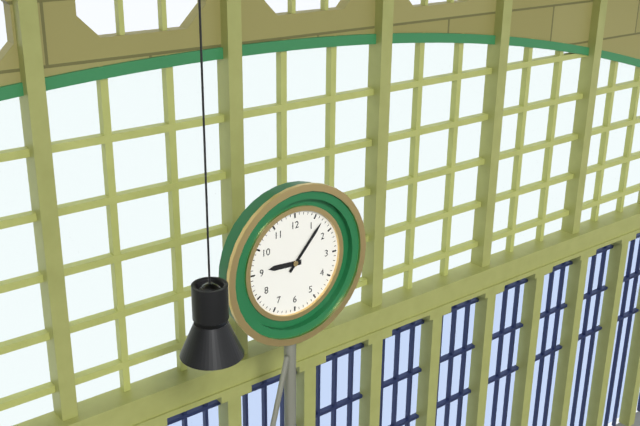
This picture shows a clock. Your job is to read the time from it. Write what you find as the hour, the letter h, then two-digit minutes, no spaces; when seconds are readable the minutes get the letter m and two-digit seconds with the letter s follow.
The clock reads 9h07
